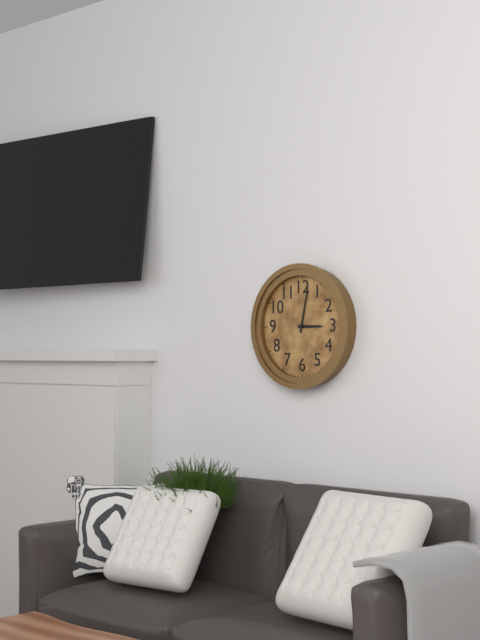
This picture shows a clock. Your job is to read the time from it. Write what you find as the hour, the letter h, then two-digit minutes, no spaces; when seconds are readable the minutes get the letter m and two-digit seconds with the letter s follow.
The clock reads 3h02
